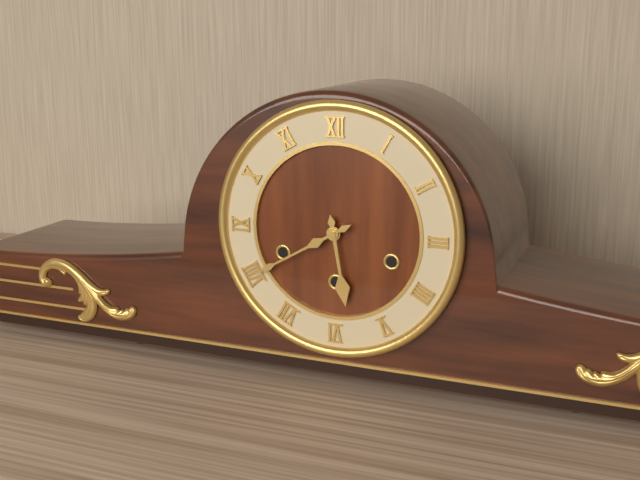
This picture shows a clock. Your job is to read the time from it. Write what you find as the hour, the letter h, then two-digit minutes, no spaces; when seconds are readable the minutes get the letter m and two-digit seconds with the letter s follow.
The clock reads 5h40
